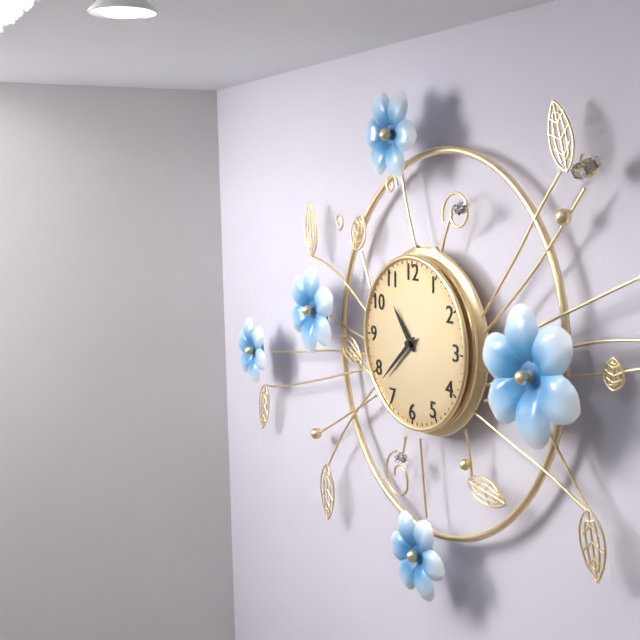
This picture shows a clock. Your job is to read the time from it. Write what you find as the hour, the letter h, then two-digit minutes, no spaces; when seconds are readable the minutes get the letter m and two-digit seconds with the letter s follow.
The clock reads 10h38
